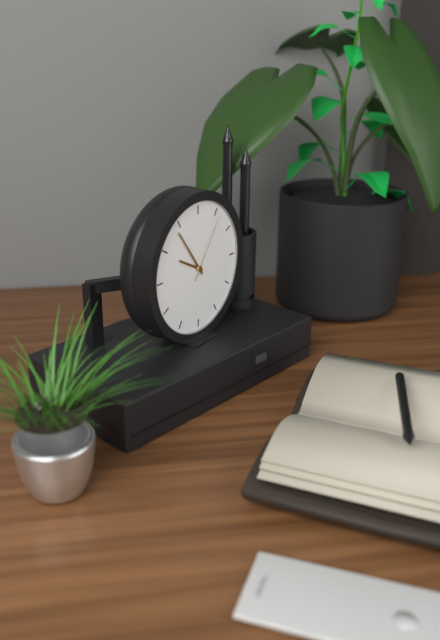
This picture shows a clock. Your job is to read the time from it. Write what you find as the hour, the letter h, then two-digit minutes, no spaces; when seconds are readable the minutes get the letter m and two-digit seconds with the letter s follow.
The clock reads 9h54m06s
